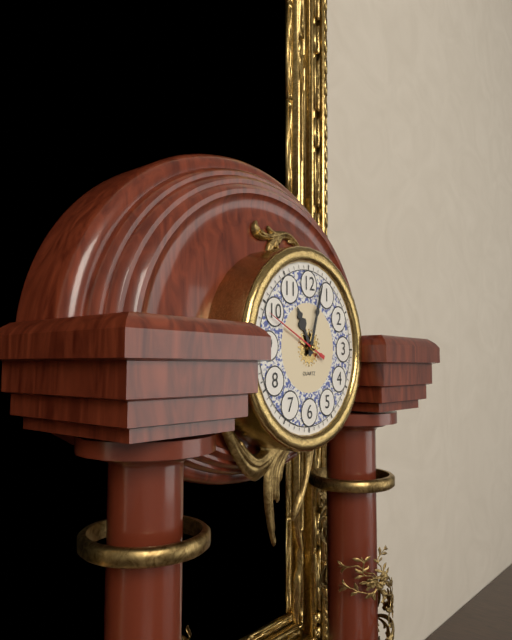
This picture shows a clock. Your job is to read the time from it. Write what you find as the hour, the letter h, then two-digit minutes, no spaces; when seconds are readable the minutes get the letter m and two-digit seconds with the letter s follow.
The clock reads 11h03m49s
